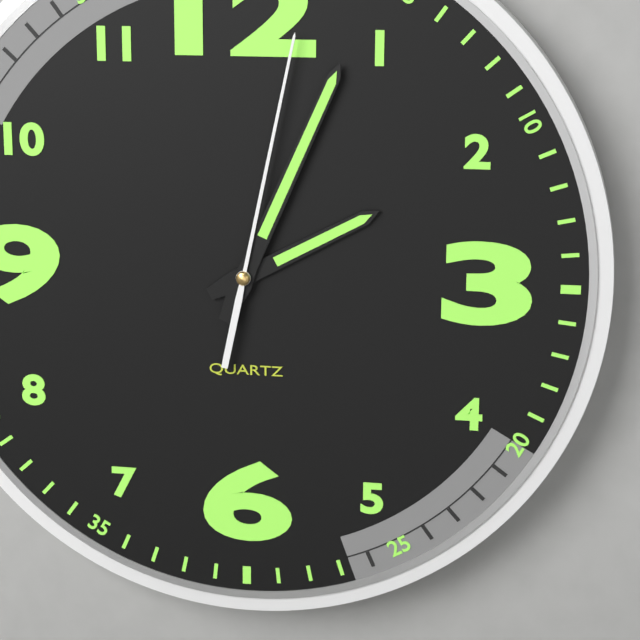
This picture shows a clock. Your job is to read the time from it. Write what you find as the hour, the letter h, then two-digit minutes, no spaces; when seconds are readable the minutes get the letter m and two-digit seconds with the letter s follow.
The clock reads 2h04m02s
